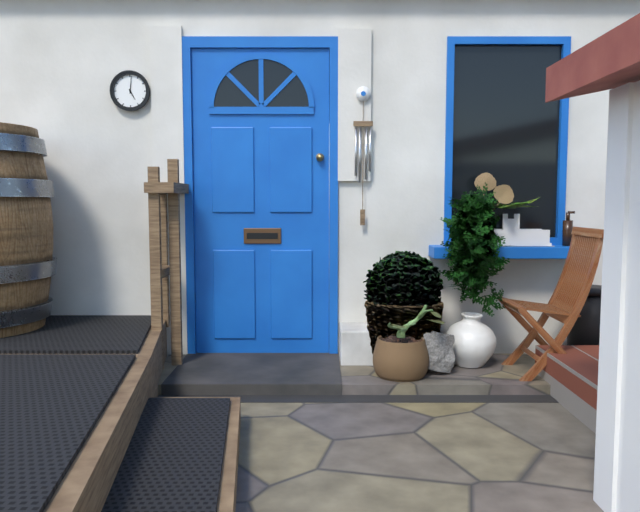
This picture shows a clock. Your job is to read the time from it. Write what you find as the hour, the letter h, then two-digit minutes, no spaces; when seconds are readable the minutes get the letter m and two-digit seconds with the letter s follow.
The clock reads 5h01
